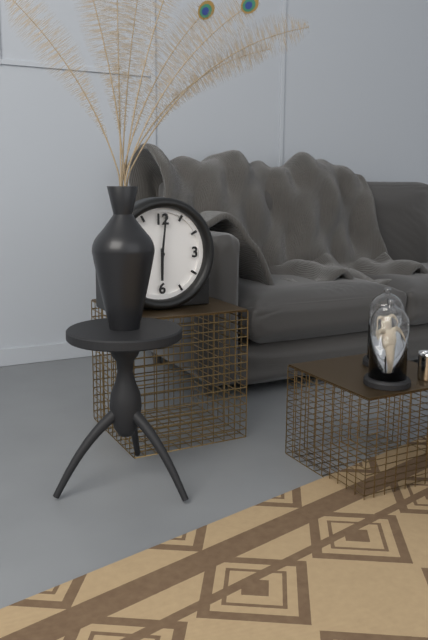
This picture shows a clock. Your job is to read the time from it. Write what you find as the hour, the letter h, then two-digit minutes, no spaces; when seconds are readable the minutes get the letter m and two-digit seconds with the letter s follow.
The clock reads 6h01
